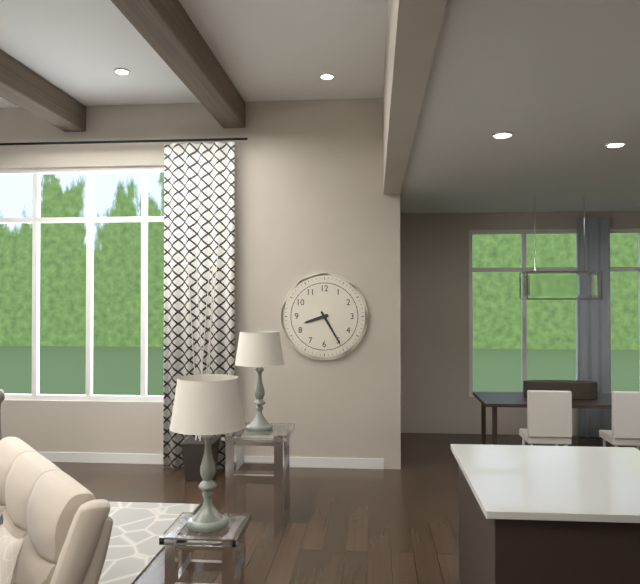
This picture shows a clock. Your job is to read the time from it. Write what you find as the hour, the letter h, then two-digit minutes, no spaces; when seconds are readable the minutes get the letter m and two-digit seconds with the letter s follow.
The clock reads 8h25
